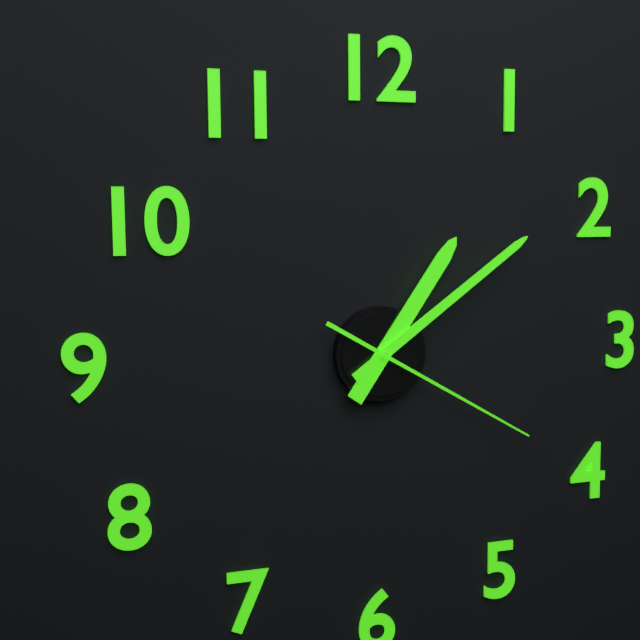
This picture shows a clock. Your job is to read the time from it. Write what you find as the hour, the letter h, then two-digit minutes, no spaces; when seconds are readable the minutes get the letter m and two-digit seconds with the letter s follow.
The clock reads 1h09m20s
